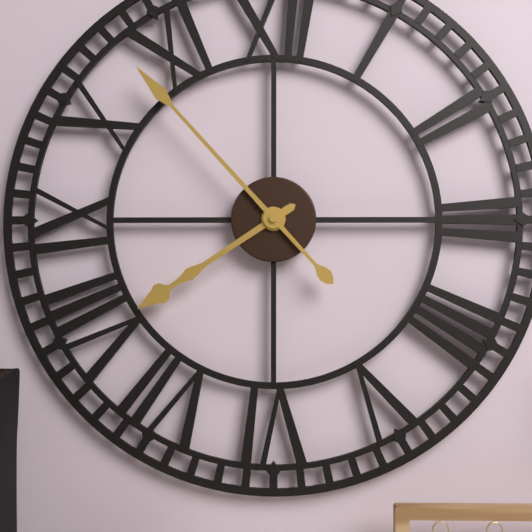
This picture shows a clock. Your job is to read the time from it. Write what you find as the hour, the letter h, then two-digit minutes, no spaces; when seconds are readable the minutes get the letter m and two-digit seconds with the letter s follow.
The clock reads 7h53
